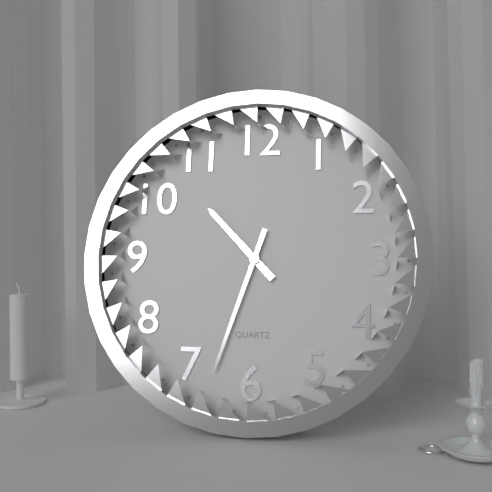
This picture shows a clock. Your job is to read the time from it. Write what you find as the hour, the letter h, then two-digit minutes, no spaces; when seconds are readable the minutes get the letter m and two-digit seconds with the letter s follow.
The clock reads 10h33
